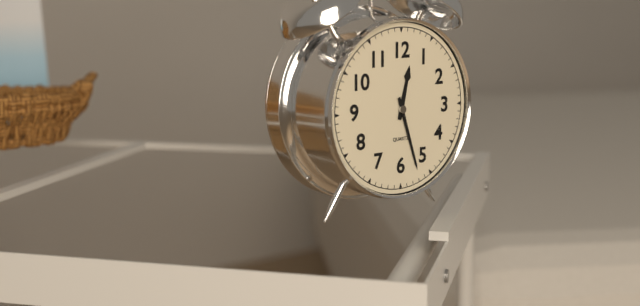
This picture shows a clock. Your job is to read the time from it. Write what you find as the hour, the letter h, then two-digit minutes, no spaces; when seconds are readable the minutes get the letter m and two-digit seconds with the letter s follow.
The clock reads 12h27
